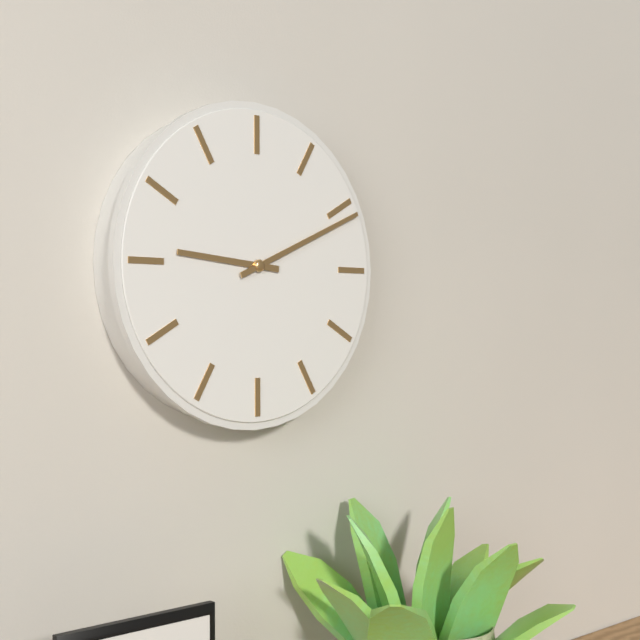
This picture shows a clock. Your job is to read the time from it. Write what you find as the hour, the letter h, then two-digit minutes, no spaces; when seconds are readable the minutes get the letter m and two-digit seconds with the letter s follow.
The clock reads 9h11
